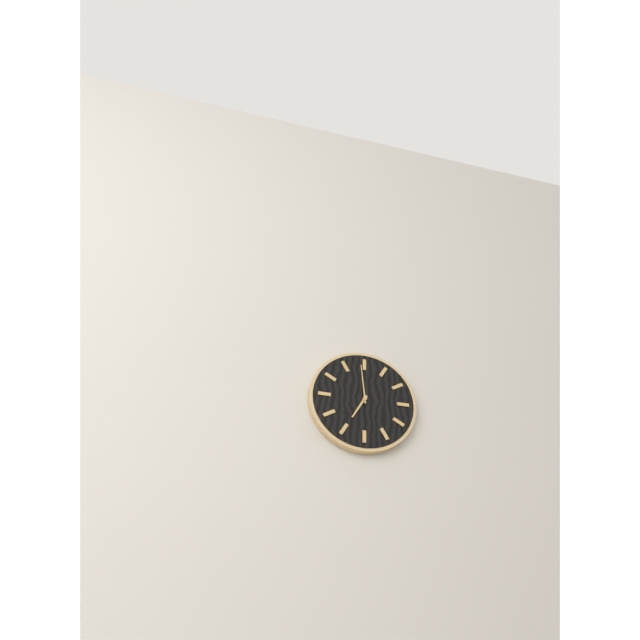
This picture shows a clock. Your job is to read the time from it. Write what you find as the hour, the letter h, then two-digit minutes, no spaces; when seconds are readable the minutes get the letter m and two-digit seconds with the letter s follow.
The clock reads 6h59
